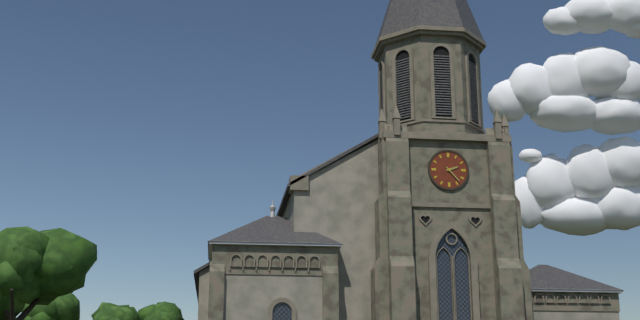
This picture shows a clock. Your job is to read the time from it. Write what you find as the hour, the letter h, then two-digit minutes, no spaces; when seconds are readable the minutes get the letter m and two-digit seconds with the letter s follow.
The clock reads 2h23
